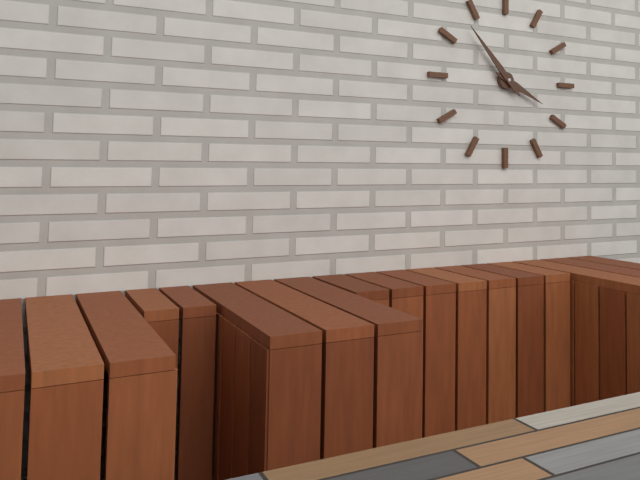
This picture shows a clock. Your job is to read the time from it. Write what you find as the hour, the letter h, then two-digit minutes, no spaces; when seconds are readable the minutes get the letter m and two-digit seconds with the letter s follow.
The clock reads 3h53
